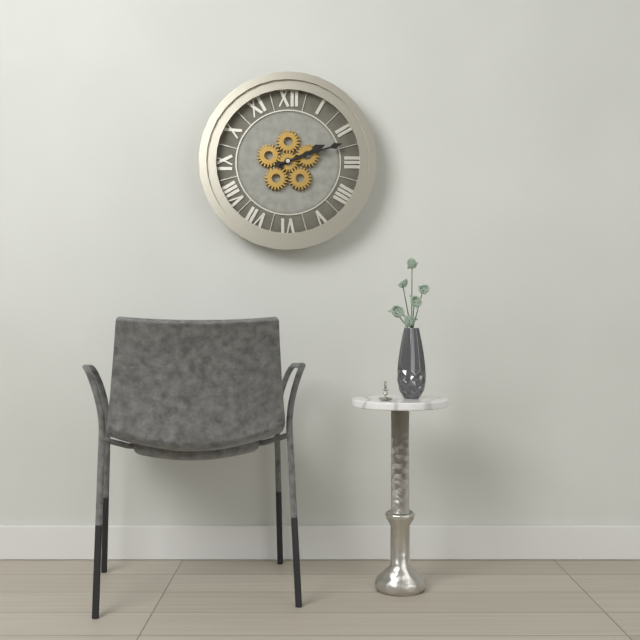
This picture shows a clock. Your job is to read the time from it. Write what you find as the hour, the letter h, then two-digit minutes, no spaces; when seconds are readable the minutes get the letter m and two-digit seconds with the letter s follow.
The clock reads 2h12
